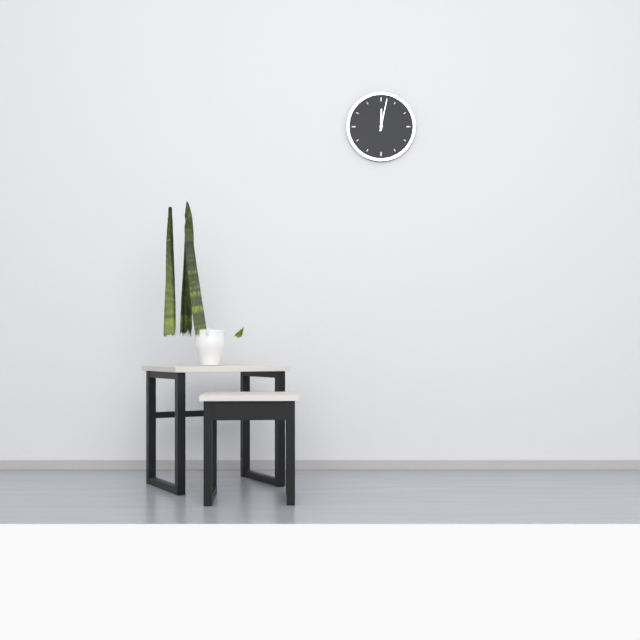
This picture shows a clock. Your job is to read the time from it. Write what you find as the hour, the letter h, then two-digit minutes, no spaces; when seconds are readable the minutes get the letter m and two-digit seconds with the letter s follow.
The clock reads 12h02
